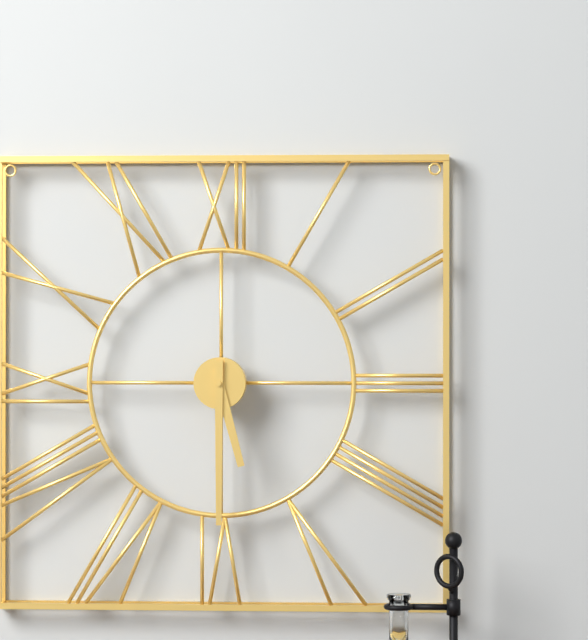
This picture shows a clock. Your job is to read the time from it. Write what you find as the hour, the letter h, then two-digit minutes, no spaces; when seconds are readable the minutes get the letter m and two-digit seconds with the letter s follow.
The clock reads 5h30
